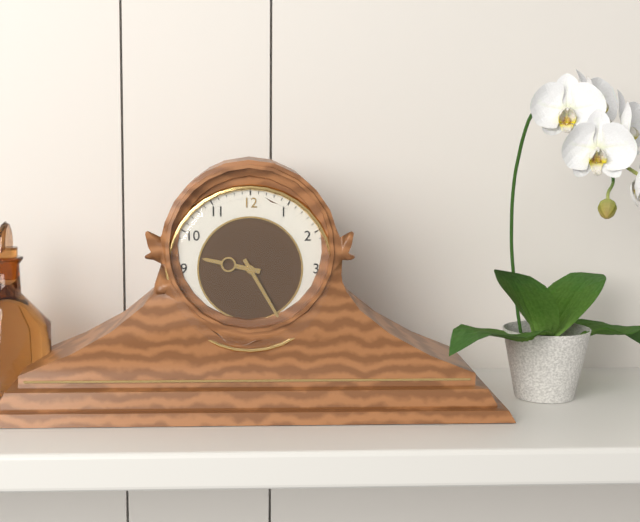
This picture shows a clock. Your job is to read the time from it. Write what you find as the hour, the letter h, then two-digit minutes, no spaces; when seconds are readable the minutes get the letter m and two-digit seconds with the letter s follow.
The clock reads 9h25
